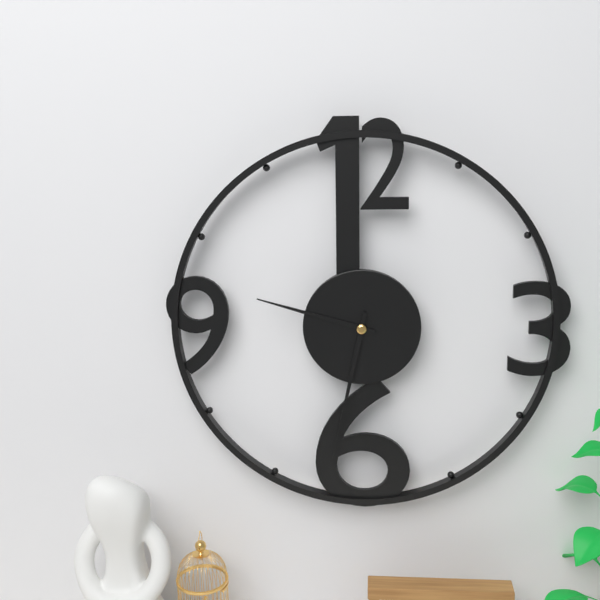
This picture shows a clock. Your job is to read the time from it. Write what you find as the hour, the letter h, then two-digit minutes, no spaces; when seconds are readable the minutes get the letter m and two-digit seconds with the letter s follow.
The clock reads 9h32
